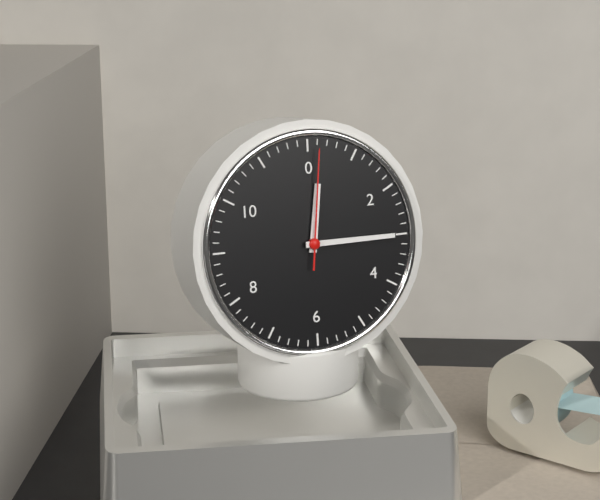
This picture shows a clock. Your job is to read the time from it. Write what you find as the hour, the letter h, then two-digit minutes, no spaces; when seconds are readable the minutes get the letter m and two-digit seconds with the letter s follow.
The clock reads 12h15m01s
